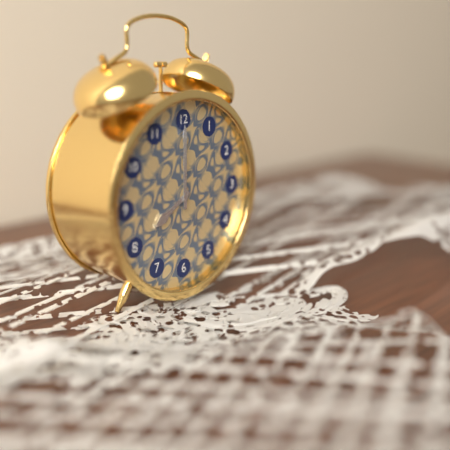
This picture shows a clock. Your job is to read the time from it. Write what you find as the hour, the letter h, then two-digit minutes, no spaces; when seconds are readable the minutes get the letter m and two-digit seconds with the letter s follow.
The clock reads 8h00
